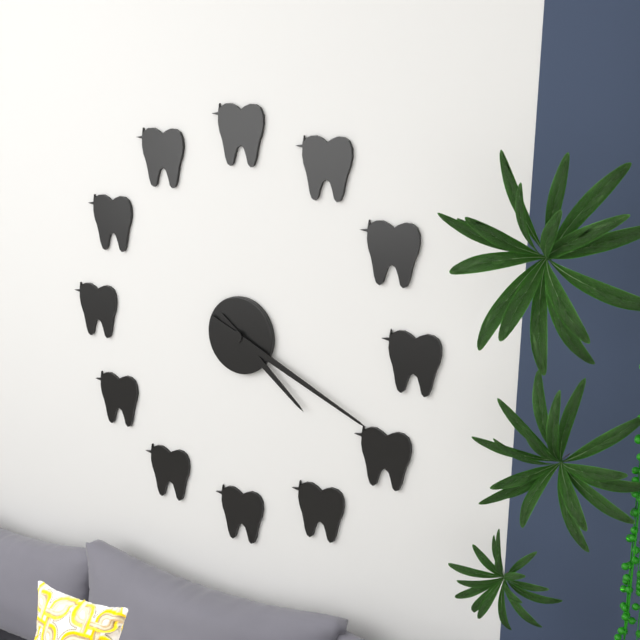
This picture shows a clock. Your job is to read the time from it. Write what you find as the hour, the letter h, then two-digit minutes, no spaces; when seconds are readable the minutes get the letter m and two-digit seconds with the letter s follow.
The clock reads 4h19
